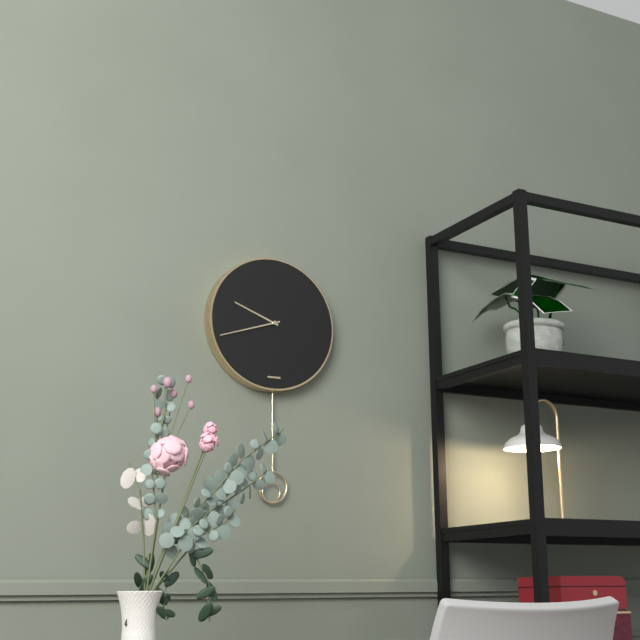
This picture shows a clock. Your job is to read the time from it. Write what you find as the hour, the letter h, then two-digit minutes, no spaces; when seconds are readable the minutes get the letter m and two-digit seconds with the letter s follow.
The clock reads 9h42
